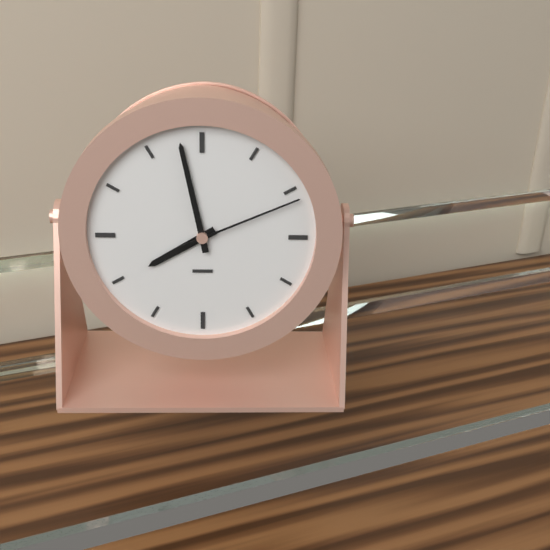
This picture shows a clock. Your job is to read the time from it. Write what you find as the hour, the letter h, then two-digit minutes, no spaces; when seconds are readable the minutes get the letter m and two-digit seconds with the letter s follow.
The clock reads 7h58m11s
